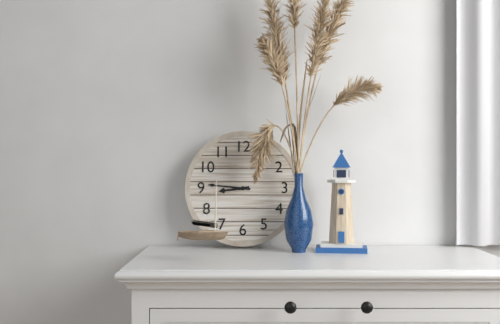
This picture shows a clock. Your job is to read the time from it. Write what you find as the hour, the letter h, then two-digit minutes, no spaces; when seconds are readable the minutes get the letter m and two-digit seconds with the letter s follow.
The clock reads 8h46
